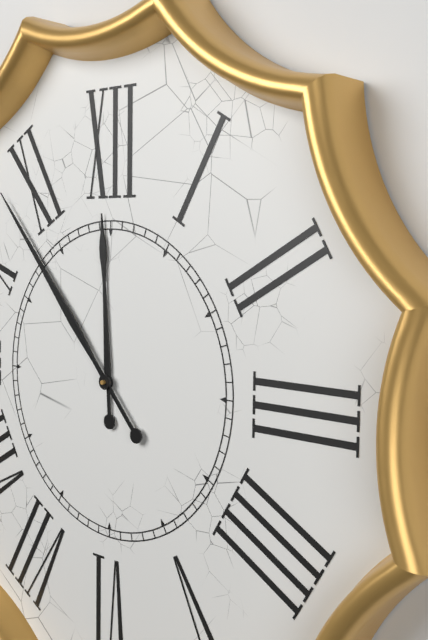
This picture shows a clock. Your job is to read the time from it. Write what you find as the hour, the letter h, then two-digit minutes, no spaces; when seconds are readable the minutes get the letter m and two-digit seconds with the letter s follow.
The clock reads 11h53
